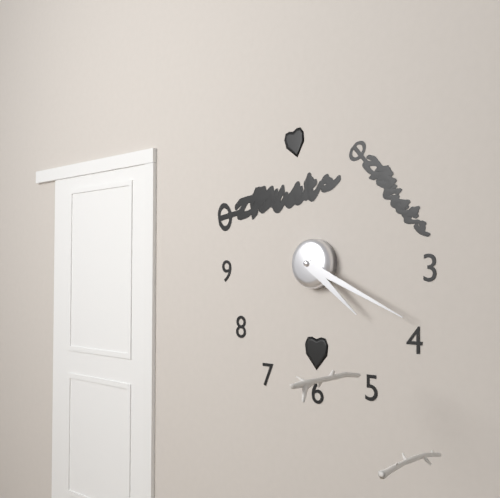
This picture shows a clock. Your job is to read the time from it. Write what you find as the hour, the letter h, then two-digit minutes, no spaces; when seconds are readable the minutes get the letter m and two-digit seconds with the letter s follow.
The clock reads 4h19
